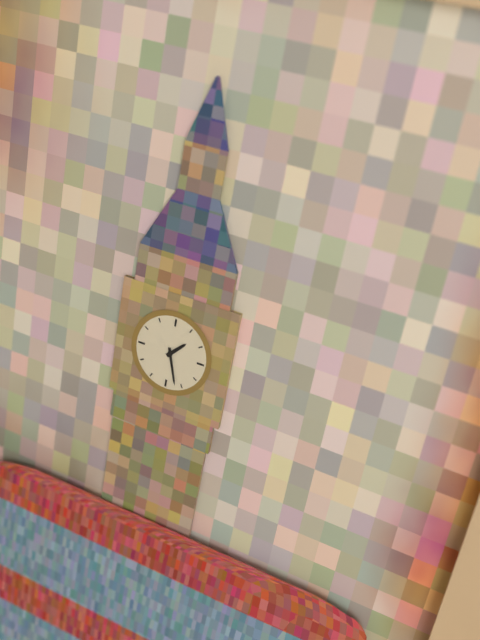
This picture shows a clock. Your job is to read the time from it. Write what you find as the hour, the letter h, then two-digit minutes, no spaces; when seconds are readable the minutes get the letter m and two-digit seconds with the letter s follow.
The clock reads 1h27
